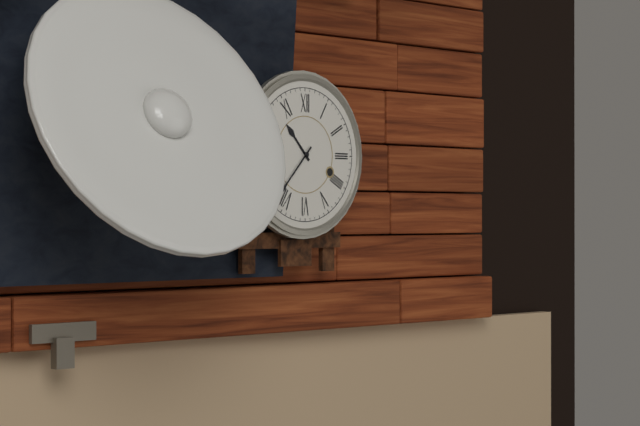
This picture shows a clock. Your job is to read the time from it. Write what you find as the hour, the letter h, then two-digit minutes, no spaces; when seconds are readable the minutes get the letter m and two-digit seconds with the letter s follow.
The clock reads 10h37
